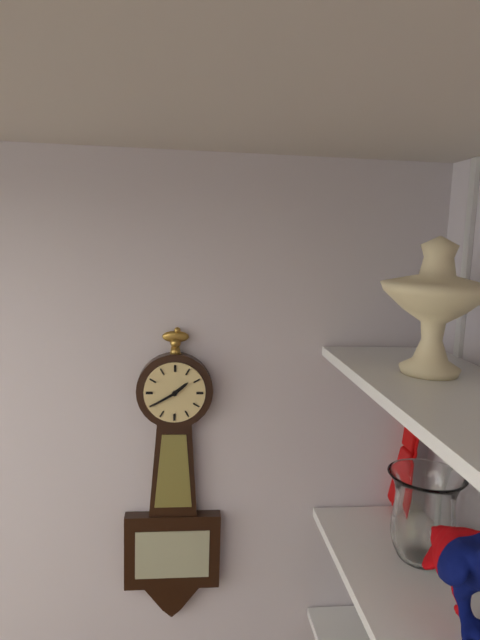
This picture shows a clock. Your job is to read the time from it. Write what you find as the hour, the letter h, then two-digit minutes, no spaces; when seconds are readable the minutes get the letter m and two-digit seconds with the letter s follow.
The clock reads 1h40
